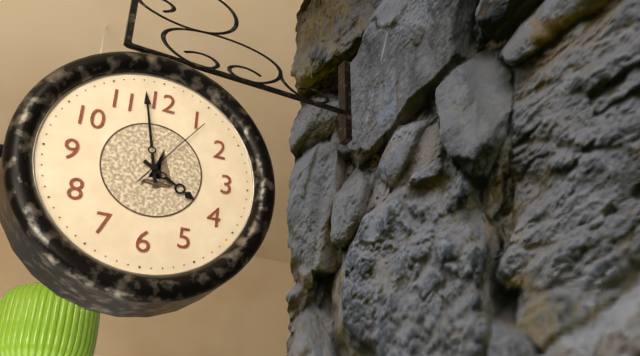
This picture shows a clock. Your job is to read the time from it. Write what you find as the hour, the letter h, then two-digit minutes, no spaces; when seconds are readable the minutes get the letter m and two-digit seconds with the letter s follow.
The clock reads 3h58m06s
